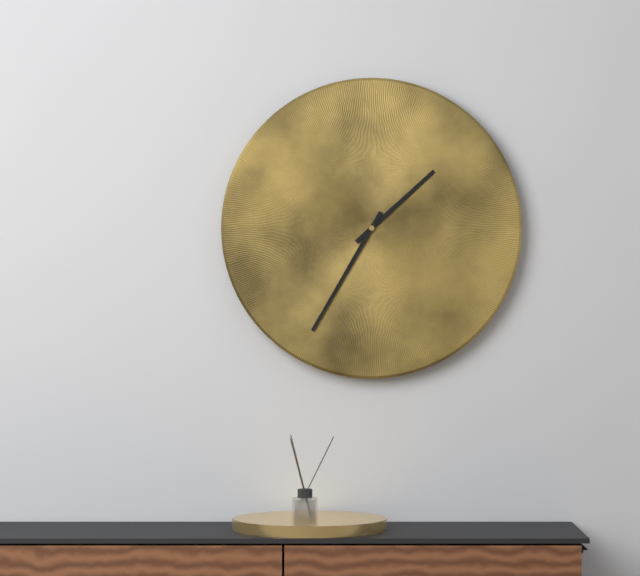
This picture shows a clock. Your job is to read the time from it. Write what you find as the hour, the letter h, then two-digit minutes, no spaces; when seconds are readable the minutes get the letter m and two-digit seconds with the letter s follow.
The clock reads 1h35
